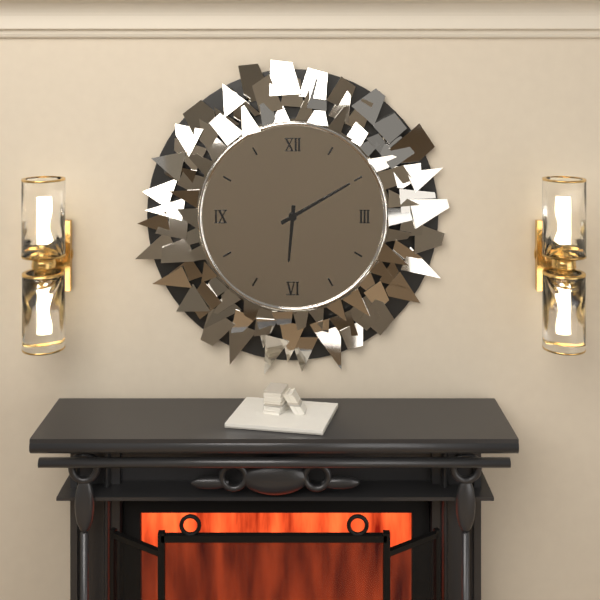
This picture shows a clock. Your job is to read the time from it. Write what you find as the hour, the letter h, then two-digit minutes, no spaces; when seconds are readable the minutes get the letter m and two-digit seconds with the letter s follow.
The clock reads 6h10
